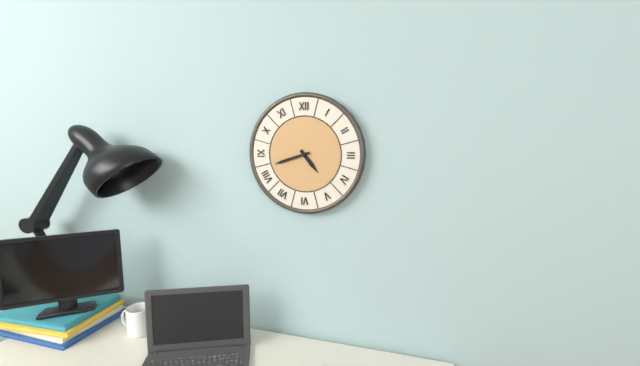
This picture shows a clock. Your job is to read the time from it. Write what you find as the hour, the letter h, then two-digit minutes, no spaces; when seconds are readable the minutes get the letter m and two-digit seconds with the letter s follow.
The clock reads 4h42
